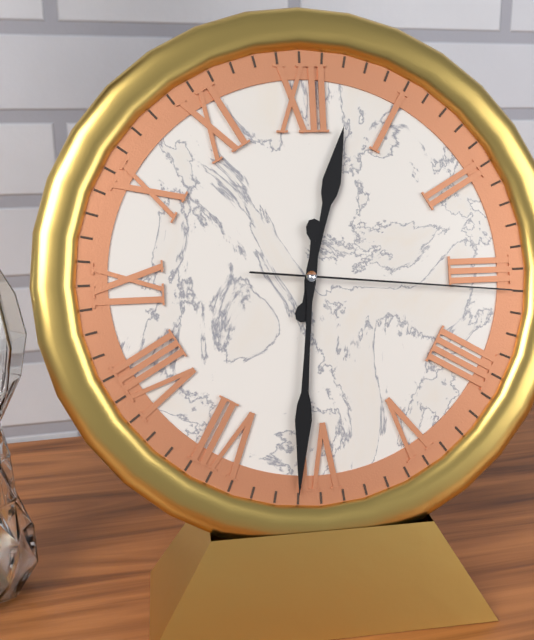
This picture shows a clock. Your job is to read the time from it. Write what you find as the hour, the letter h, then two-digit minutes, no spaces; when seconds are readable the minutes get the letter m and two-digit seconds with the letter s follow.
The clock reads 12h31m16s
